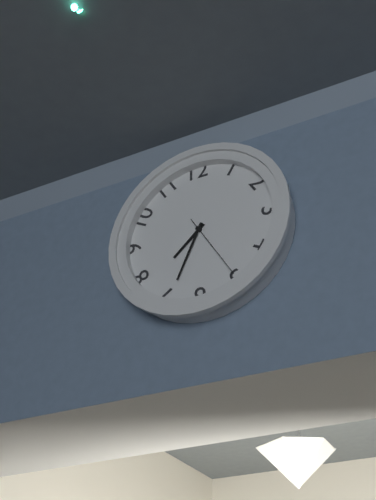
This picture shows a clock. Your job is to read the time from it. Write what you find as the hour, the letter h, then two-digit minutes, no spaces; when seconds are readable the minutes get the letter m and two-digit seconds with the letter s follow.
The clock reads 7h34m25s
